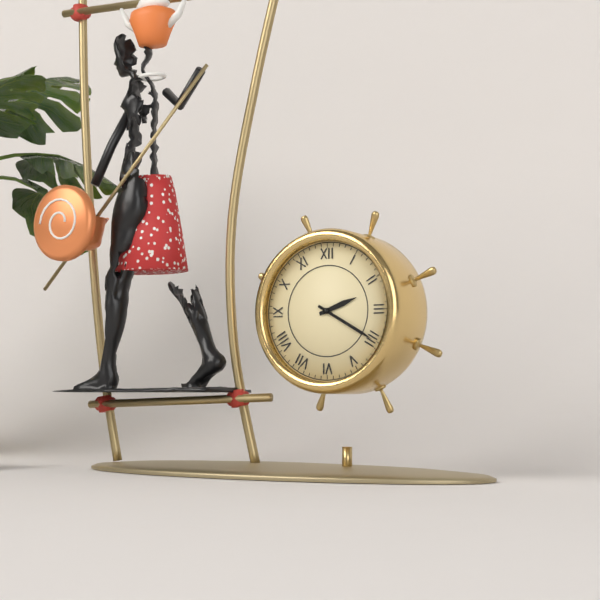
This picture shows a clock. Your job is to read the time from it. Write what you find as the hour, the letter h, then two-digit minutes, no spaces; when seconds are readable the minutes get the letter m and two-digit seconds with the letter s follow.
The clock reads 2h20
